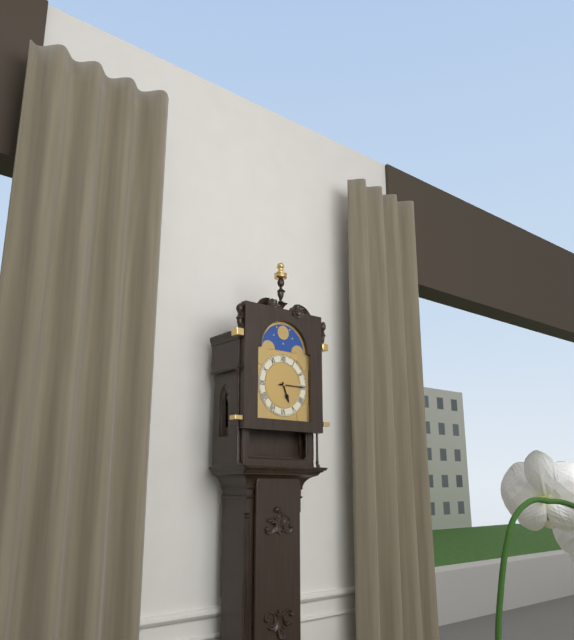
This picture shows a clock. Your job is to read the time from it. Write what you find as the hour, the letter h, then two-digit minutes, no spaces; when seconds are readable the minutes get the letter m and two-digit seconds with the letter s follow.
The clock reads 5h15
